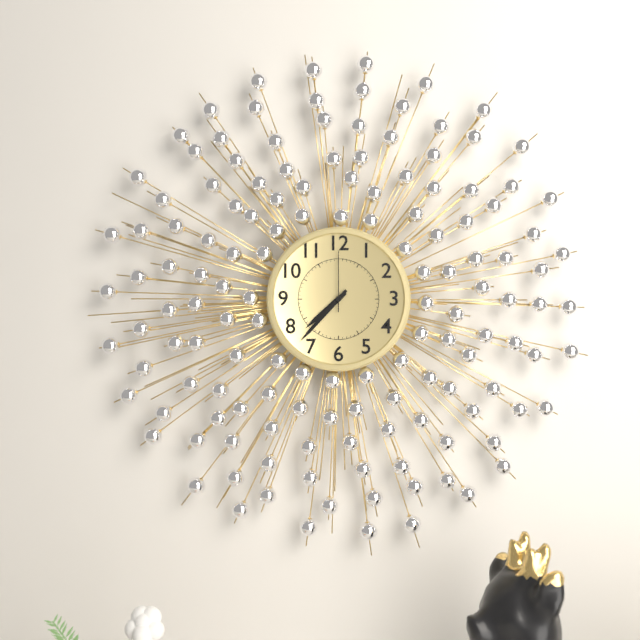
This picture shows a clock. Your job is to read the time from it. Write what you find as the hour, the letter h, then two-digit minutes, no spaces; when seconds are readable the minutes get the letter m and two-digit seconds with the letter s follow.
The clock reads 7h37m00s
